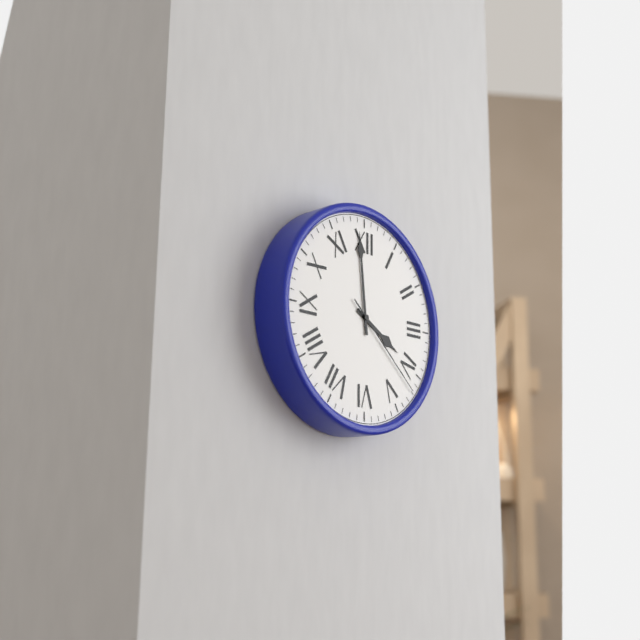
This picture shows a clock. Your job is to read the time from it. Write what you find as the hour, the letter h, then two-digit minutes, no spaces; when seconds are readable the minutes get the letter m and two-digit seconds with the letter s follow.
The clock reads 3h59m22s
